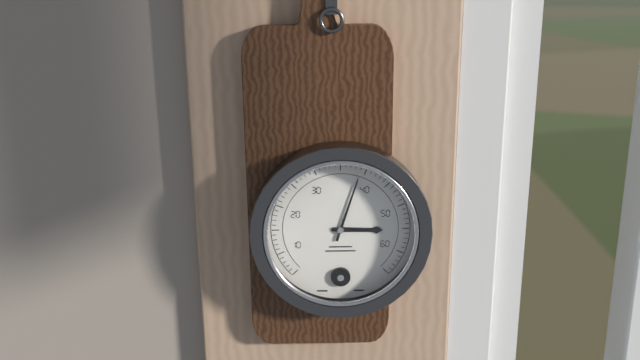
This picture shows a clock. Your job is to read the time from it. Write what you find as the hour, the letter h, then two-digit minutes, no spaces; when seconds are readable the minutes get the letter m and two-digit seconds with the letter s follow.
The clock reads 3h03
